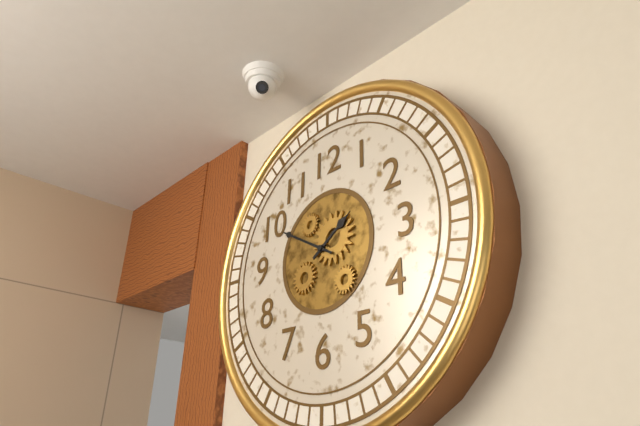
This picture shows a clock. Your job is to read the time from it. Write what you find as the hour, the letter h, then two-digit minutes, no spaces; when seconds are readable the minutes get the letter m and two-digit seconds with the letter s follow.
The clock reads 1h50
